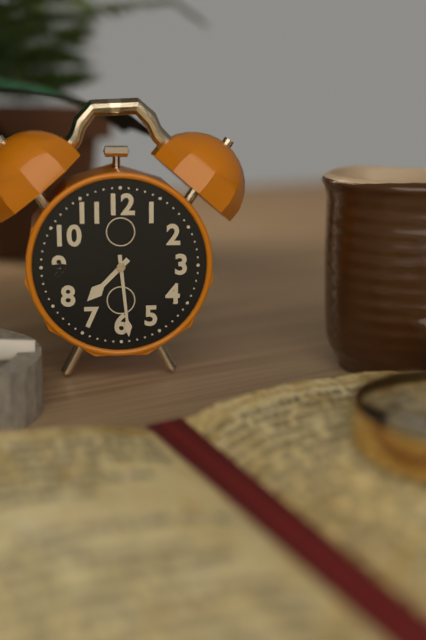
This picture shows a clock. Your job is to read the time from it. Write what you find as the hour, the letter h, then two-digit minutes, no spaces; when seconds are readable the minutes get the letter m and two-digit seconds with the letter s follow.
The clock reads 7h29
